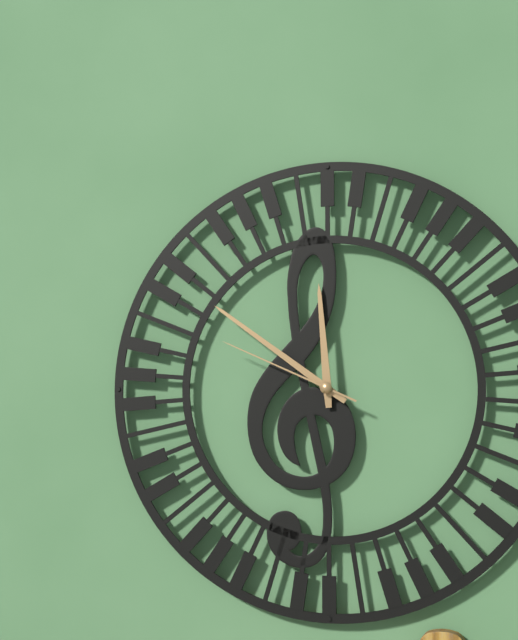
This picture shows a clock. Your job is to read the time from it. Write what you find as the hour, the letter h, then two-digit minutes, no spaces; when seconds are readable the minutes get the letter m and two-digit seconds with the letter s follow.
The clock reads 11h51m49s
